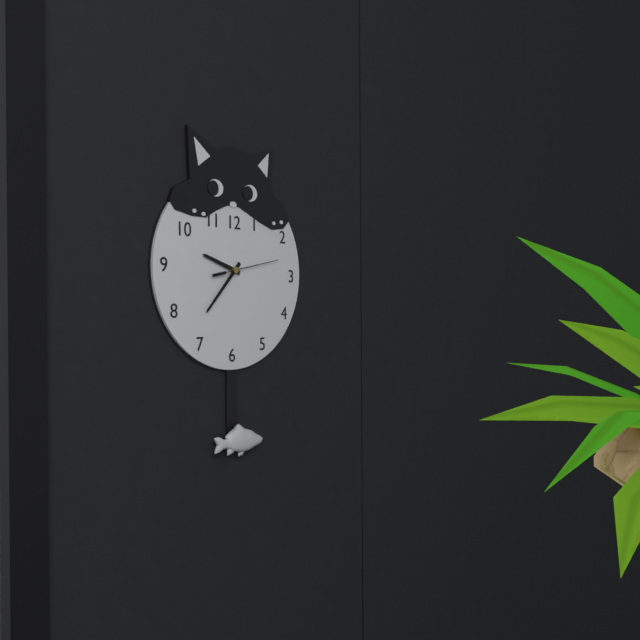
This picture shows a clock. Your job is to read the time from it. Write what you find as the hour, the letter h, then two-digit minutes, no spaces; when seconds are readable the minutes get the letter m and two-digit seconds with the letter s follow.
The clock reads 9h37m13s
